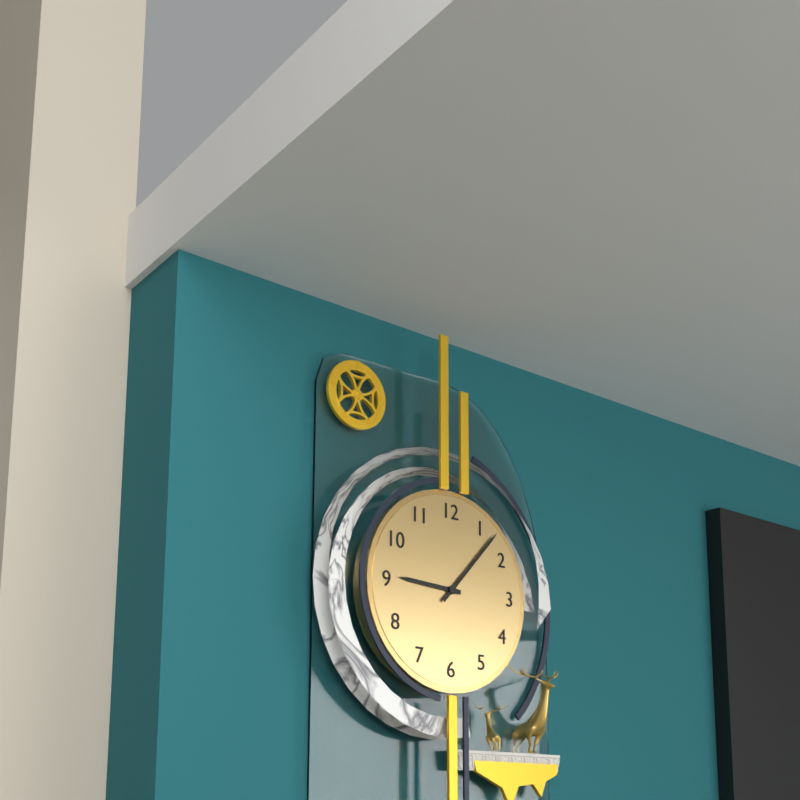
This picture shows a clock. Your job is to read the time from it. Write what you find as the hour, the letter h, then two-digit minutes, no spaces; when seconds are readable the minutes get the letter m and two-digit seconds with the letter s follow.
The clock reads 9h07
